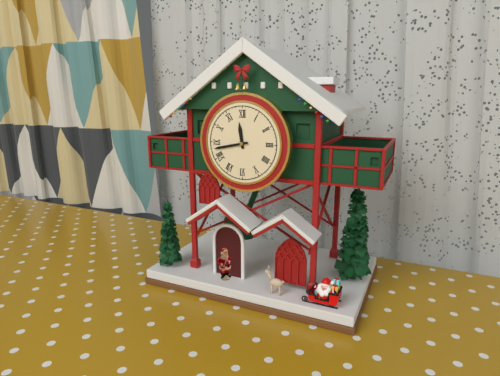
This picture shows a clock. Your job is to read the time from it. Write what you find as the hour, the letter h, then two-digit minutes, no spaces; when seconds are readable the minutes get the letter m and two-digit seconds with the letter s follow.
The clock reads 11h43
